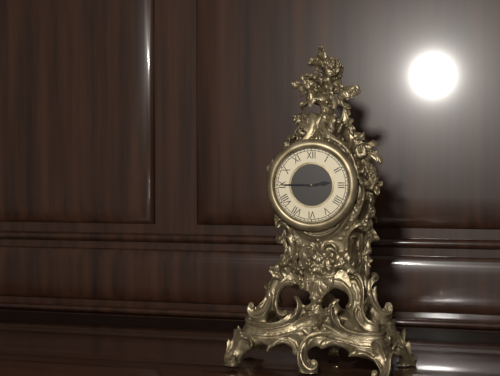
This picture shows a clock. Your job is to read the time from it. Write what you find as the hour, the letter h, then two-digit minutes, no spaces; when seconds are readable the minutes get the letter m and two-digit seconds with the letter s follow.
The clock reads 2h45
